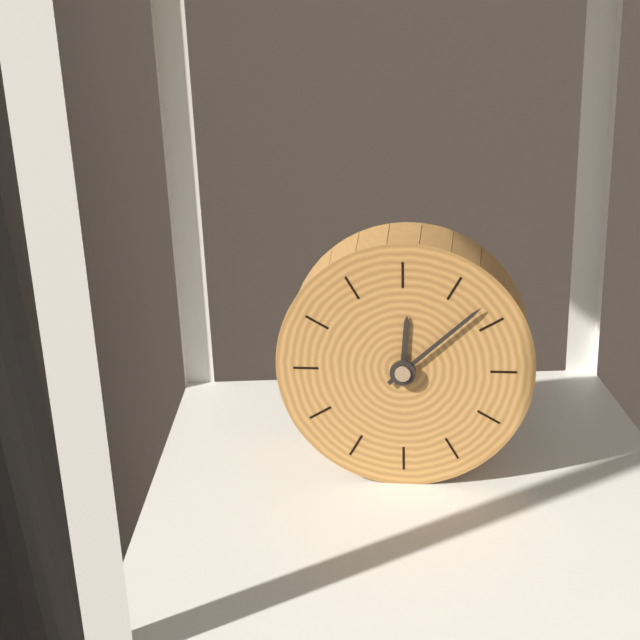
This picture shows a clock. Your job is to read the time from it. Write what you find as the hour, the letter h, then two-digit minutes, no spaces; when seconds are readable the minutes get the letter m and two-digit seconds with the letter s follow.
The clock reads 12h08
